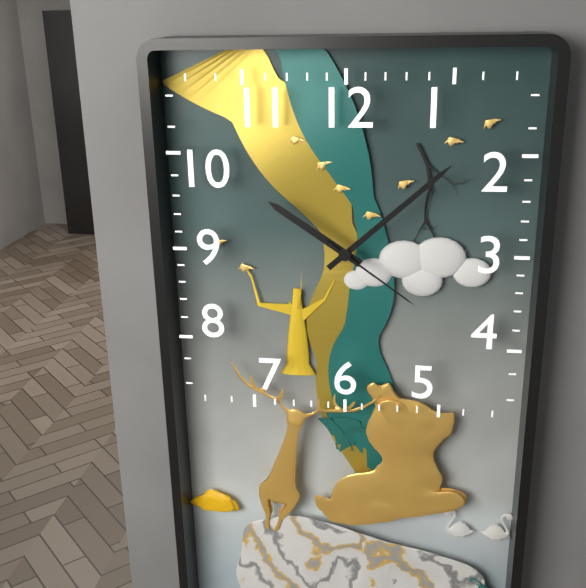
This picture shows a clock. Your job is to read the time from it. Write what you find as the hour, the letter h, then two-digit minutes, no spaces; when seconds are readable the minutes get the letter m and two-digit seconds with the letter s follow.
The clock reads 10h08m21s
